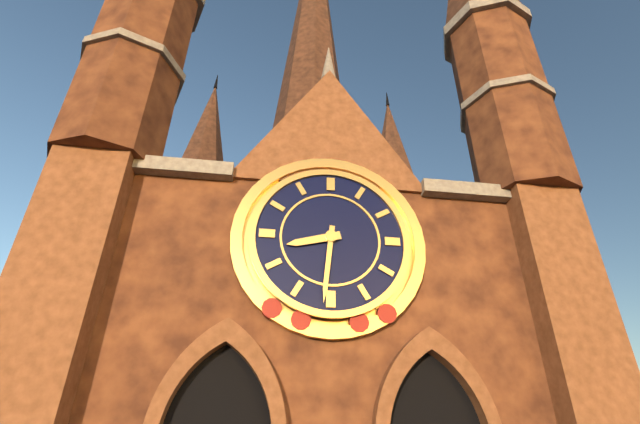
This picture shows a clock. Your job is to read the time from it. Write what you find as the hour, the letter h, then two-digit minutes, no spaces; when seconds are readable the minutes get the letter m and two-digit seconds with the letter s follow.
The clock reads 8h31
